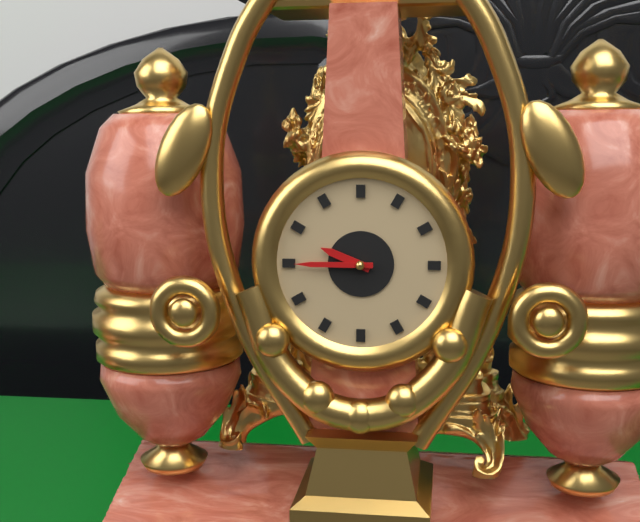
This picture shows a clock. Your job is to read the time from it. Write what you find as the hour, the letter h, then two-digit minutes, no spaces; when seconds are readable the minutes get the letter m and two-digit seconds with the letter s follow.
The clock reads 9h45
